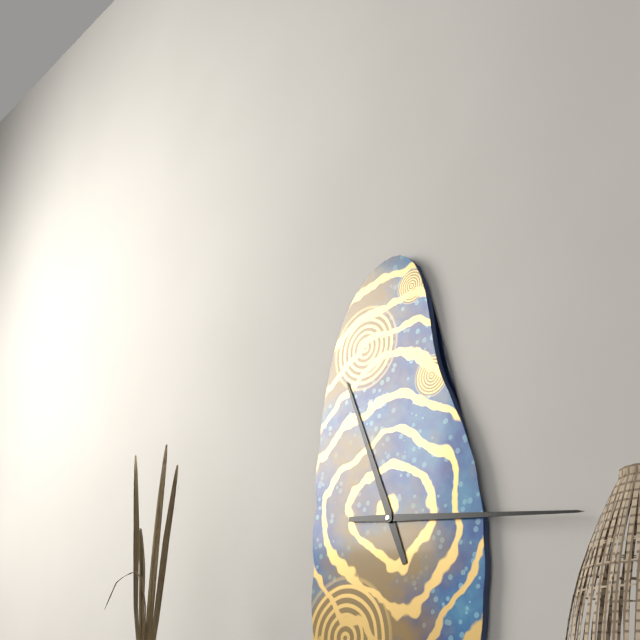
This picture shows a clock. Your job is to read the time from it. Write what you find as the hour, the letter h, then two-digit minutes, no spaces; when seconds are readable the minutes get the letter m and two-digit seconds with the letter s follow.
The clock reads 11h16
